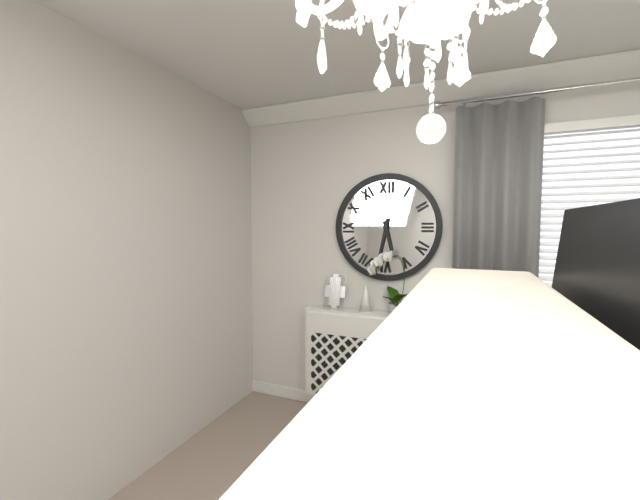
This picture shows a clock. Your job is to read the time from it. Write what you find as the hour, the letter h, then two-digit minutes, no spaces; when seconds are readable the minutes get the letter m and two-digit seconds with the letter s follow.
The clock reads 5h32
